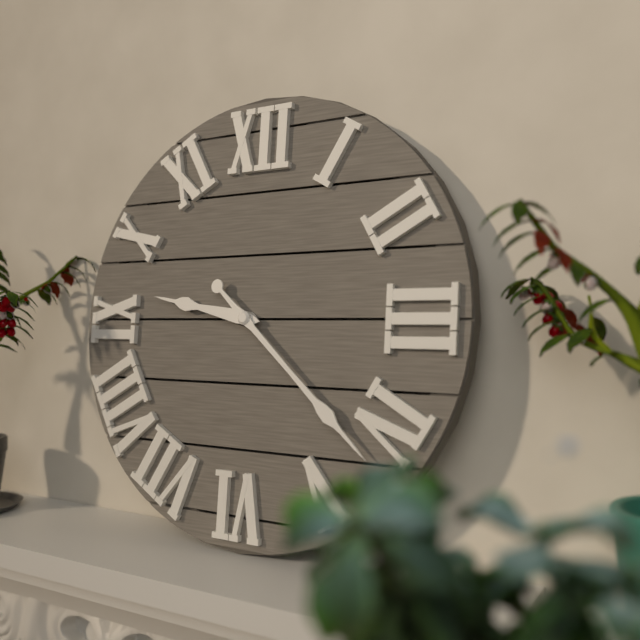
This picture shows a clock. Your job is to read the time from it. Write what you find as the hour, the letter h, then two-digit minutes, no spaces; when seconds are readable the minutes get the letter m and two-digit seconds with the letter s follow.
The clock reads 9h22
